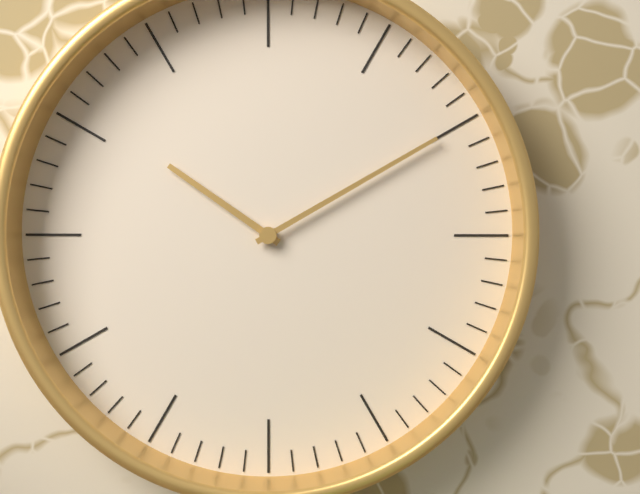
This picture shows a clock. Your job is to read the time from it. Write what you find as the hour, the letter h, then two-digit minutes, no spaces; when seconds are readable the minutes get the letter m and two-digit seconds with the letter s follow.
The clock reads 10h10
